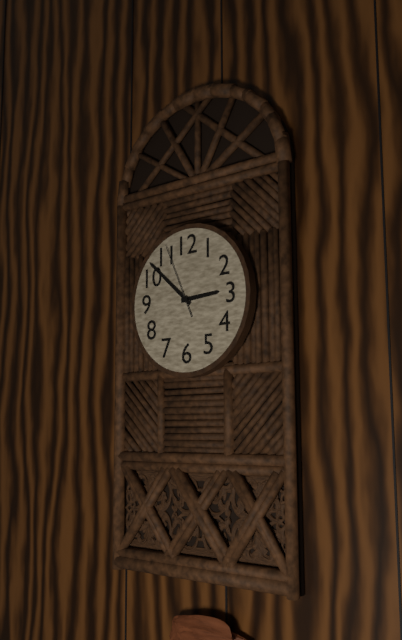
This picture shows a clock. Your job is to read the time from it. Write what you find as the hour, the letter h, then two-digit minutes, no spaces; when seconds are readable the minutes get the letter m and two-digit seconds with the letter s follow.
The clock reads 2h52m56s
